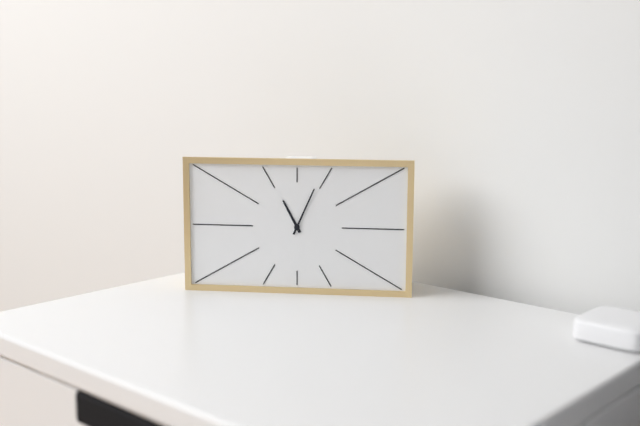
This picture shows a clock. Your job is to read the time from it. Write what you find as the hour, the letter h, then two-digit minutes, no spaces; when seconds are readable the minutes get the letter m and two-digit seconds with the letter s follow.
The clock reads 11h04
